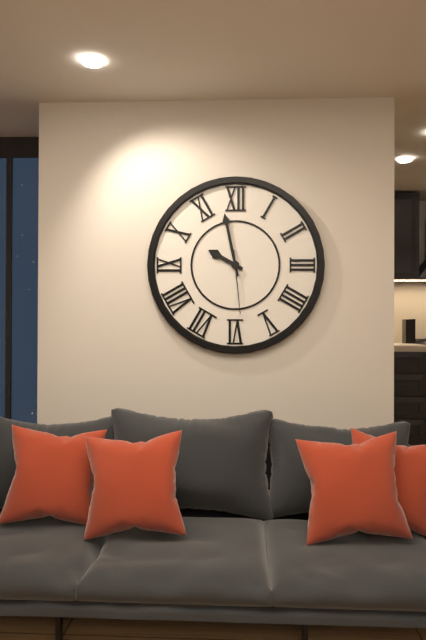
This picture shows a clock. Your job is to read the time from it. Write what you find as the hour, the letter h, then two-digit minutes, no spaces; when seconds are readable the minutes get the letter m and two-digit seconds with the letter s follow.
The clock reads 9h58m29s
